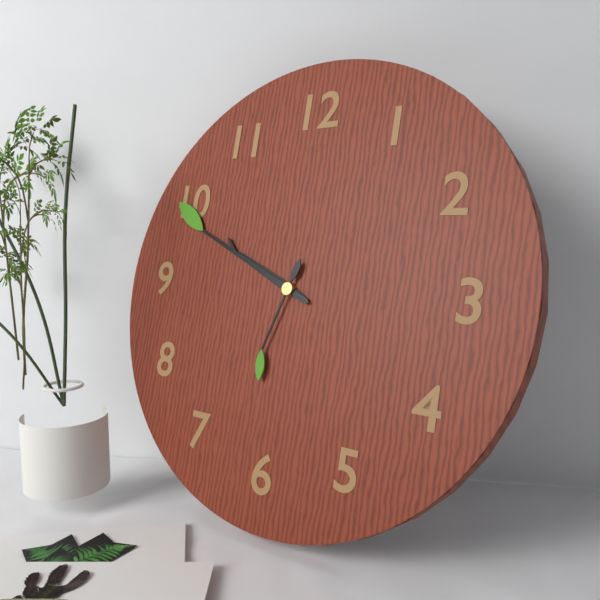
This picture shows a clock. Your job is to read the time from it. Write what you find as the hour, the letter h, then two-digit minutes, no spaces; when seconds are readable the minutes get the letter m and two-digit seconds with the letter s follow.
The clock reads 9h49m33s
